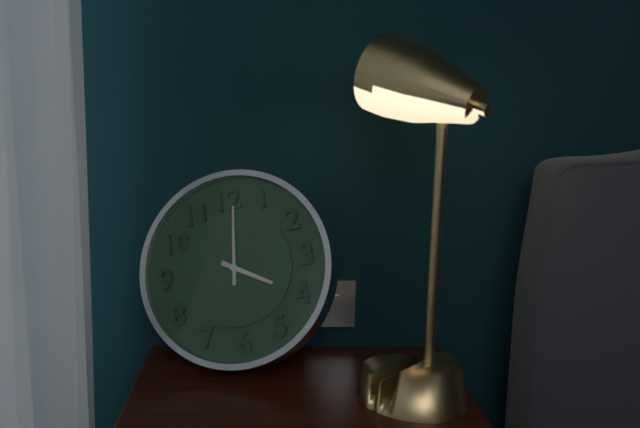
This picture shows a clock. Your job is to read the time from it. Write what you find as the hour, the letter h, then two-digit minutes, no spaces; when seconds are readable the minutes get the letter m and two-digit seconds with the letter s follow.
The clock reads 4h01
